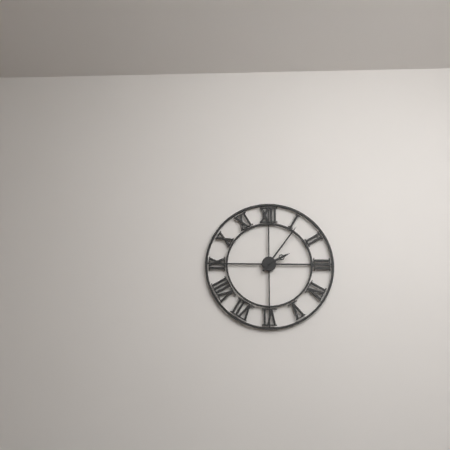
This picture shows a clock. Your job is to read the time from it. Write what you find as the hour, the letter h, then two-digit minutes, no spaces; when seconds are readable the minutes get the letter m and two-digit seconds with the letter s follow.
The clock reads 2h06
